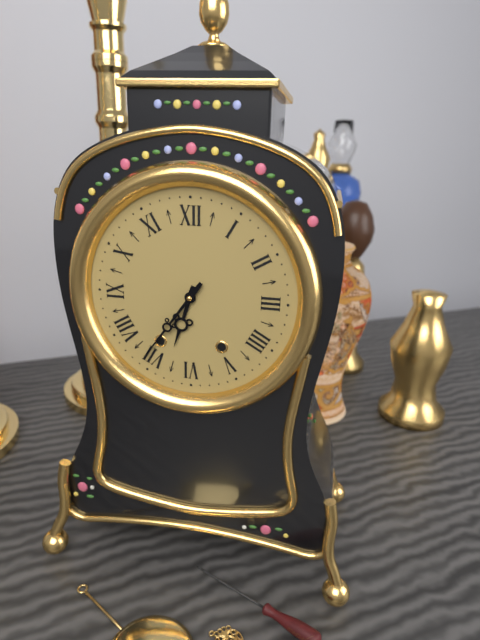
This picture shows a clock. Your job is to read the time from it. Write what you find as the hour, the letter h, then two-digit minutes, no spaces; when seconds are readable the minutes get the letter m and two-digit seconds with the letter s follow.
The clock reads 6h36
